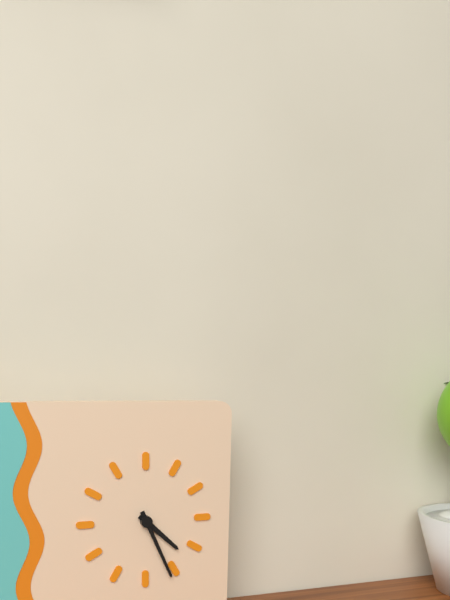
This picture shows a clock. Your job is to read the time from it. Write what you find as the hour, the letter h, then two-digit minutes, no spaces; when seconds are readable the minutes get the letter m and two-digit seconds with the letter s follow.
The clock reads 4h26
